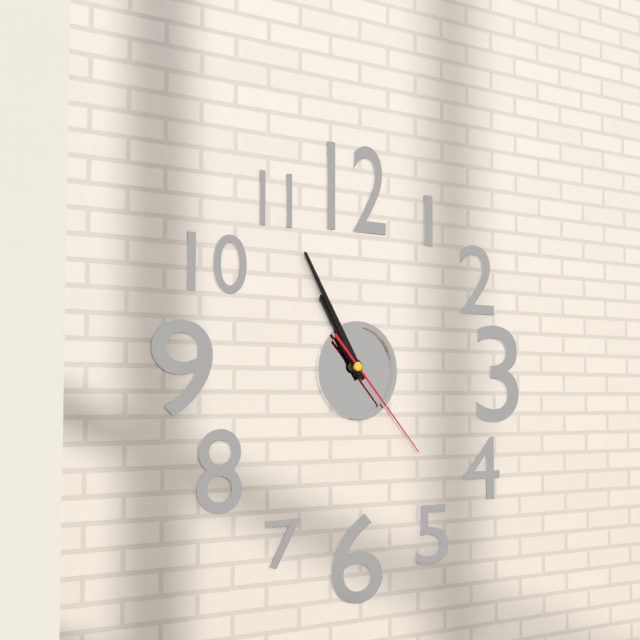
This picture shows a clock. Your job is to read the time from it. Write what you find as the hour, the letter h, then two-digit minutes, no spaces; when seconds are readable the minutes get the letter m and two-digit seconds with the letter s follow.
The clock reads 10h55m23s
